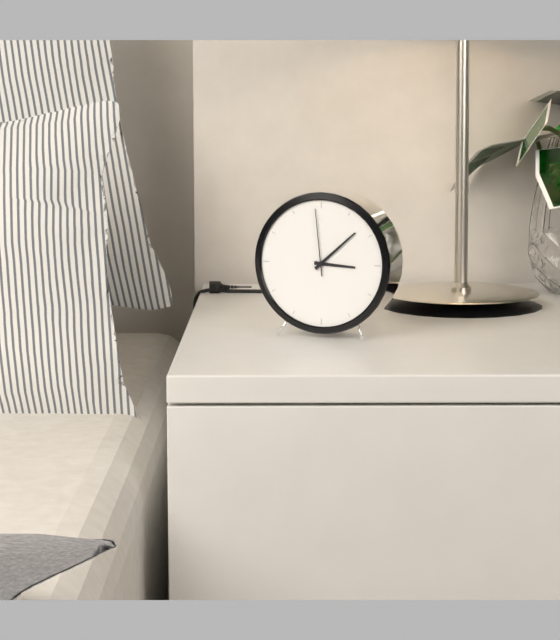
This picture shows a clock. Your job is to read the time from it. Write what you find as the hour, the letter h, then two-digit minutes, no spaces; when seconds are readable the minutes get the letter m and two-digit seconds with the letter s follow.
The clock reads 3h08m59s
